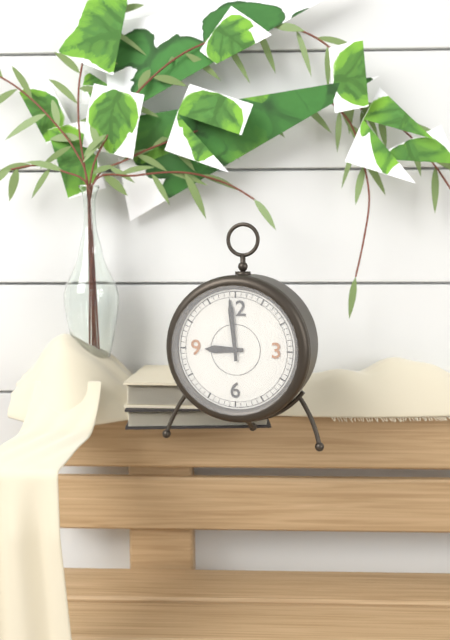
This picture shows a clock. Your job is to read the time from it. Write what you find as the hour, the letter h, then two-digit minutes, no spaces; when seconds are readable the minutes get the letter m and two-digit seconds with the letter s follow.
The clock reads 8h59
